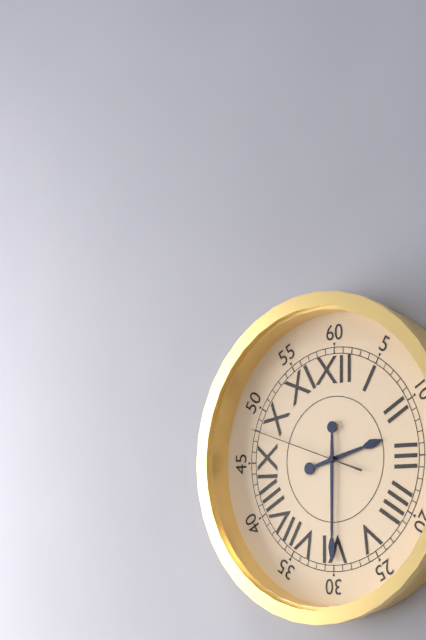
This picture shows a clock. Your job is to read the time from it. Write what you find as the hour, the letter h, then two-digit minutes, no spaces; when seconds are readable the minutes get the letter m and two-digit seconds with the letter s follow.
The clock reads 2h30m48s
